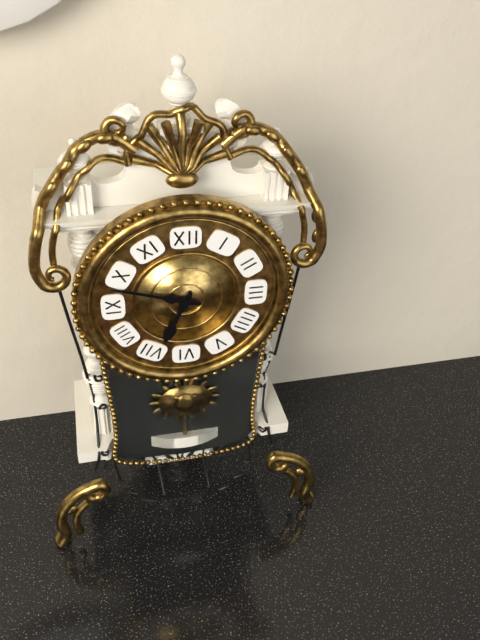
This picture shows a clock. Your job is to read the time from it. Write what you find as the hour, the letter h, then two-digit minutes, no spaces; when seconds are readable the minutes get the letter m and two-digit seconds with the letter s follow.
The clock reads 6h48
